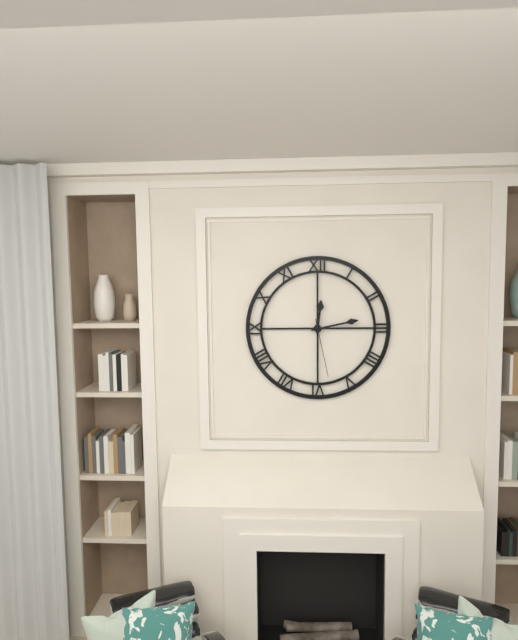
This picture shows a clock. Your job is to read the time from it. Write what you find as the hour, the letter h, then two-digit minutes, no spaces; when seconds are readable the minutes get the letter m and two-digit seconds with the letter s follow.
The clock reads 12h13m28s
